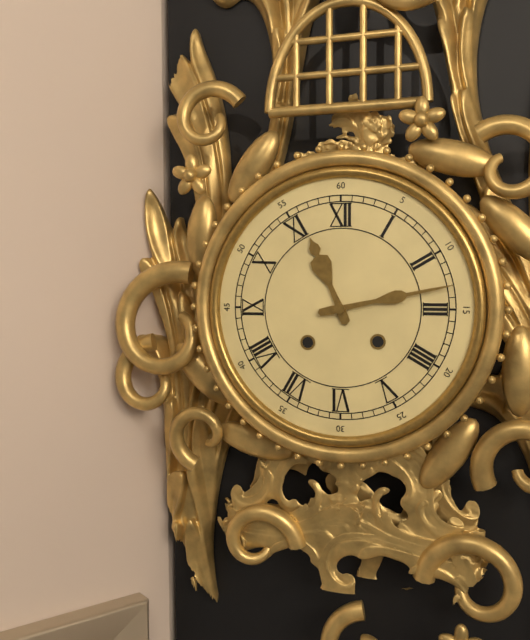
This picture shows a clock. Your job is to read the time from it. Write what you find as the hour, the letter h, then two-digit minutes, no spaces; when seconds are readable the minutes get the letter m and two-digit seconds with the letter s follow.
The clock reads 11h13
